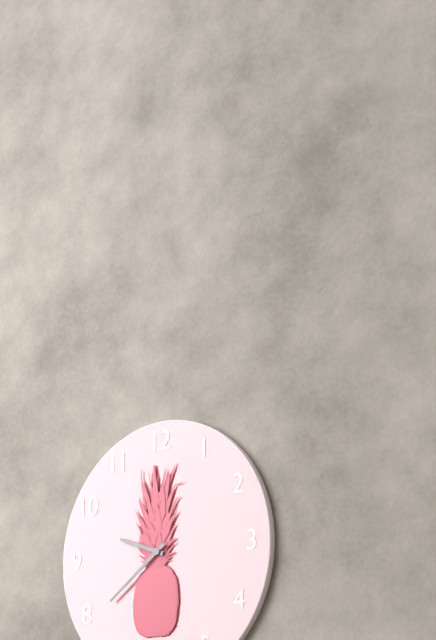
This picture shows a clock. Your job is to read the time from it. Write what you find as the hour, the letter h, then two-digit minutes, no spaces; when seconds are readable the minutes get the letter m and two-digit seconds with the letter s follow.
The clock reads 9h39
